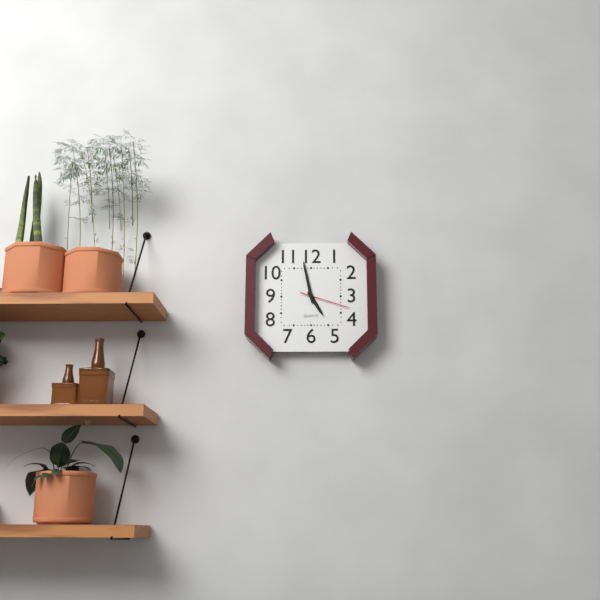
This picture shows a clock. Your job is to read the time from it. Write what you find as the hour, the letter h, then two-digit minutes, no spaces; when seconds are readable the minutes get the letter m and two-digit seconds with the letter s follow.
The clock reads 4h58
